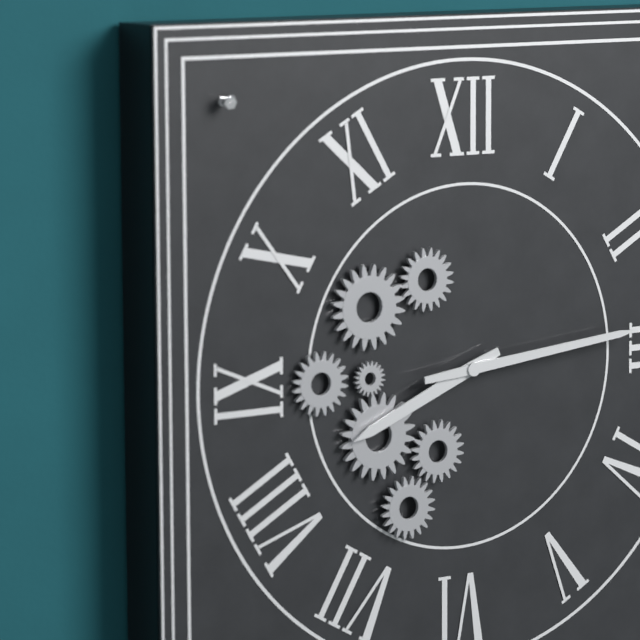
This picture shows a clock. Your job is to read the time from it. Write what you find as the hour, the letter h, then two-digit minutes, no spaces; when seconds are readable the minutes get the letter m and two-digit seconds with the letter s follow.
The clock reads 8h14
